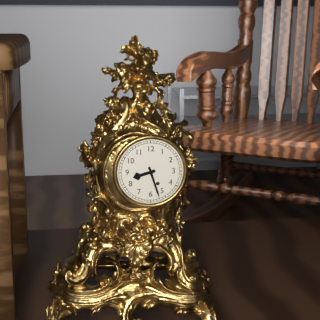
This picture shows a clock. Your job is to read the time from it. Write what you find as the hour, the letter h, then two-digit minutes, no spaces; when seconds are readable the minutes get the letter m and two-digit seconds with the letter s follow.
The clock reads 8h27
